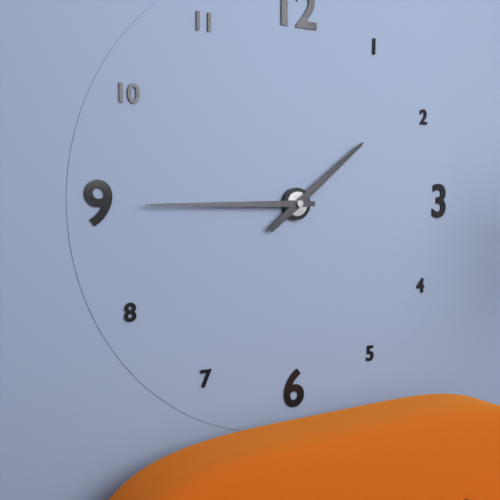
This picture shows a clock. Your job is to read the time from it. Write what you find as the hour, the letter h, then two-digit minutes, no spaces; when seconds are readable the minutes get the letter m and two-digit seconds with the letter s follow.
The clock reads 1h45
